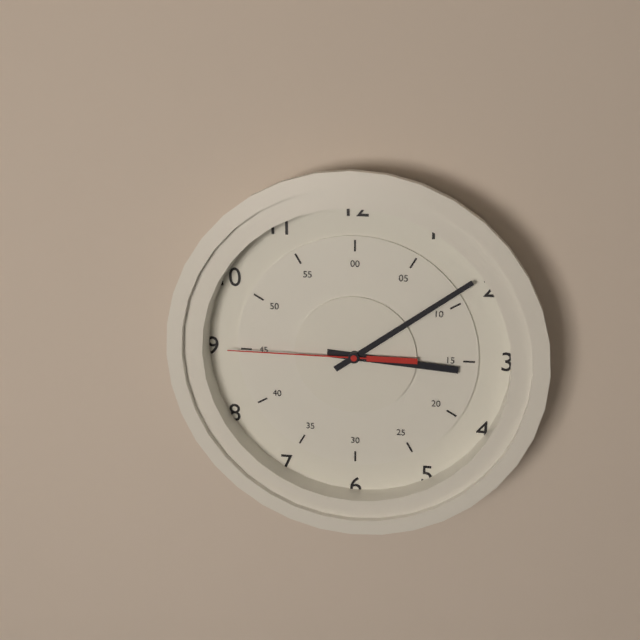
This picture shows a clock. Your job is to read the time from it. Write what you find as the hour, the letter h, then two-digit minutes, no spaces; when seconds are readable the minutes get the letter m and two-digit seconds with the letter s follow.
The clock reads 3h09m45s
